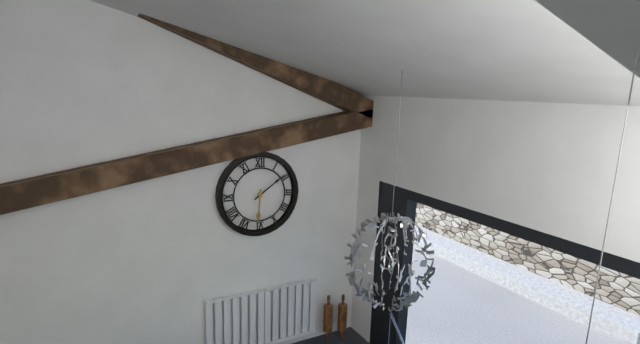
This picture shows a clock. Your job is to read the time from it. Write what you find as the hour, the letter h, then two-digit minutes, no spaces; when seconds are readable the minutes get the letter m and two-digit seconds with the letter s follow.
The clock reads 6h09
